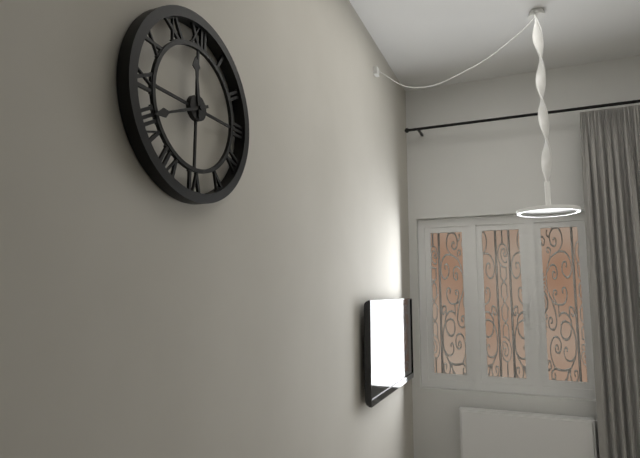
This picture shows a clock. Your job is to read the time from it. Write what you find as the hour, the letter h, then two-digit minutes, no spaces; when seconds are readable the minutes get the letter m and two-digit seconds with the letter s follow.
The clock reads 11h41
